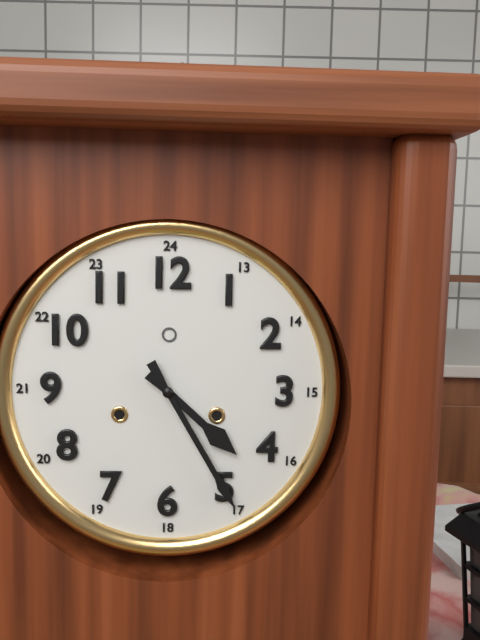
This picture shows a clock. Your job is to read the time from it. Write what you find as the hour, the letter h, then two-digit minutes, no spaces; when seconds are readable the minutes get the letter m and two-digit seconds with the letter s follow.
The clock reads 4h25
